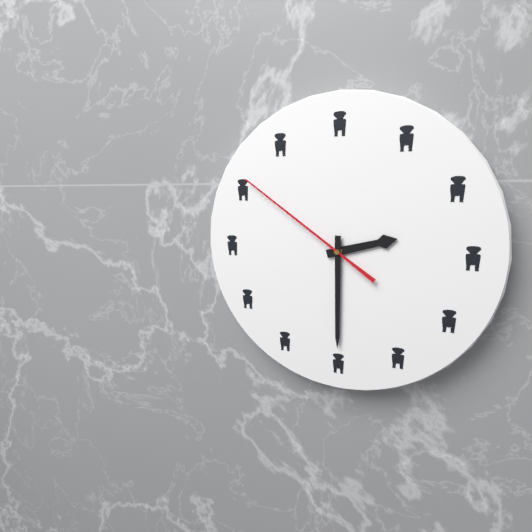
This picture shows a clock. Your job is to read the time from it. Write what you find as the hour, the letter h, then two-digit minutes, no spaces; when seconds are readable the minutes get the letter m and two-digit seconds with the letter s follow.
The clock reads 2h30m51s
